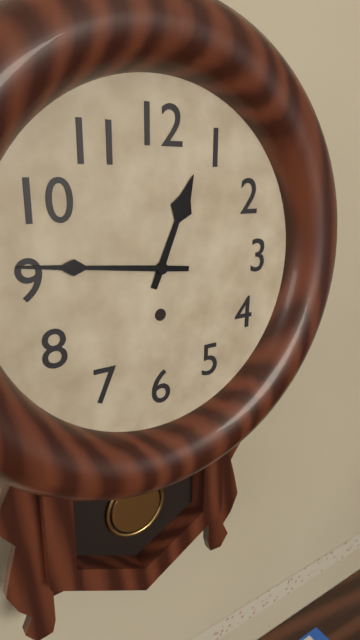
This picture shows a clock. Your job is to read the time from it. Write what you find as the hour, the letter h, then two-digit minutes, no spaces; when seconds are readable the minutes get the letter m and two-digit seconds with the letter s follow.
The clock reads 12h46
